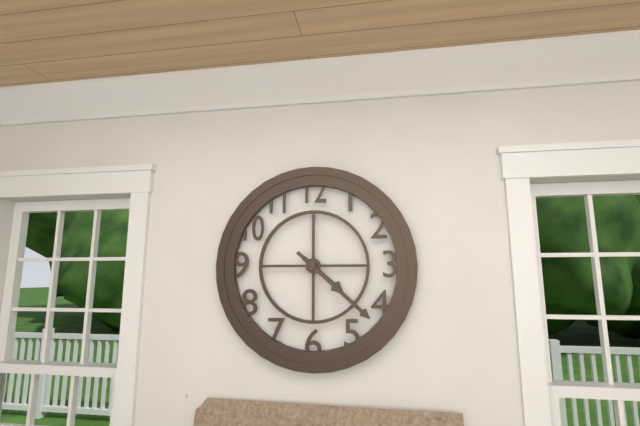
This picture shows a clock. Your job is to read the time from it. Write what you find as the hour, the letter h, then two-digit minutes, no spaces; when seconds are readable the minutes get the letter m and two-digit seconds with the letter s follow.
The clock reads 4h22
